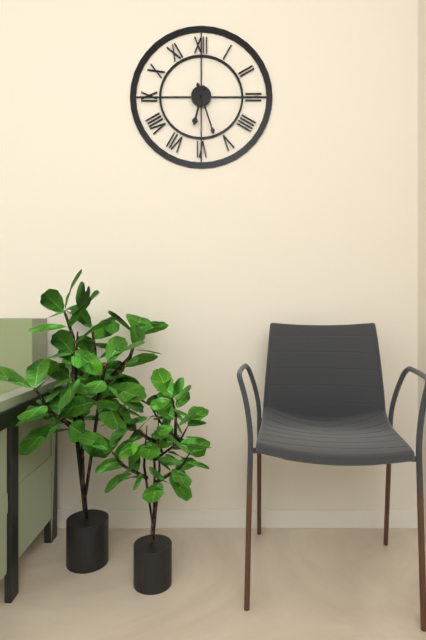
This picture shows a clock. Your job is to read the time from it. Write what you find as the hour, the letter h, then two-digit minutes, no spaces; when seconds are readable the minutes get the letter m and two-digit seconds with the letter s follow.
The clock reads 6h27
